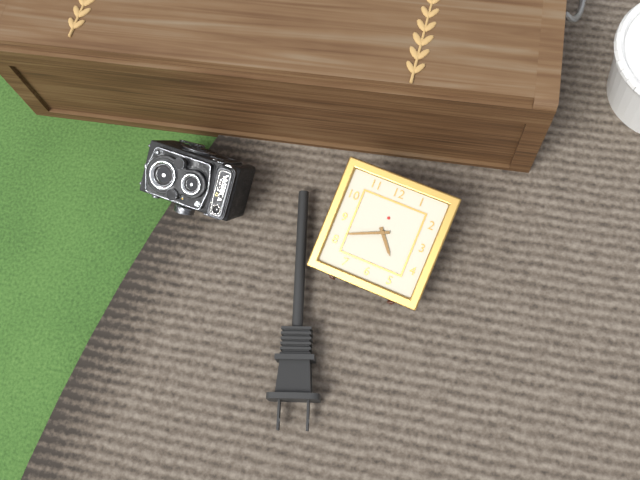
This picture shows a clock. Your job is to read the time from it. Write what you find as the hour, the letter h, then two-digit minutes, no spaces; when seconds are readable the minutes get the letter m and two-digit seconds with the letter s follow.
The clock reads 4h41
